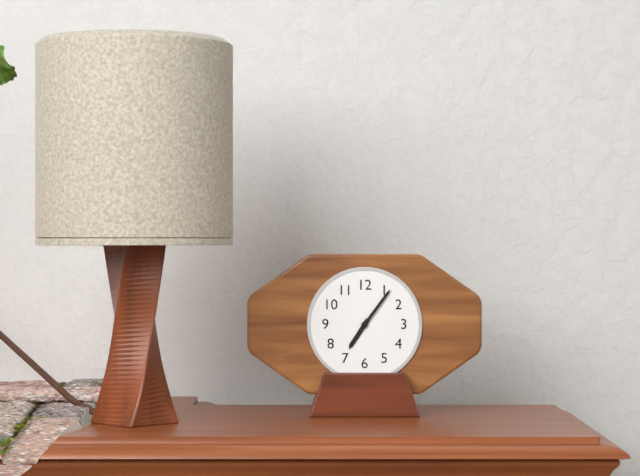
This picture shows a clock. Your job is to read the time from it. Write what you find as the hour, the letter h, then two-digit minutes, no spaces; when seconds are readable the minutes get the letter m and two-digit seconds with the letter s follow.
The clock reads 7h06
